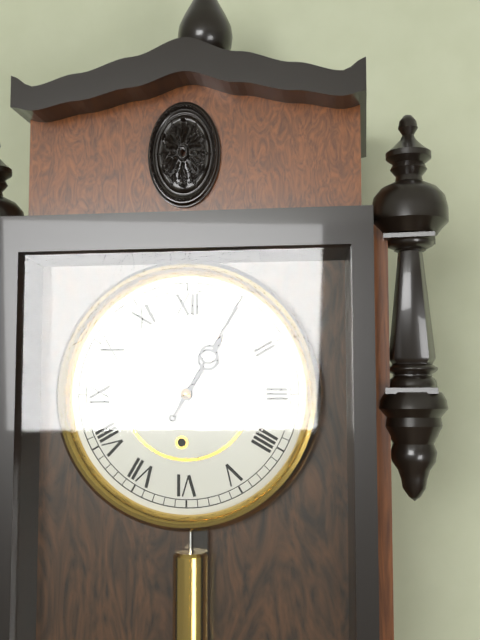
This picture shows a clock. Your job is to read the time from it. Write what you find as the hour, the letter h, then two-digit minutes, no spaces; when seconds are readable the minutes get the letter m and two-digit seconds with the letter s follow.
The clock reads 1h05
